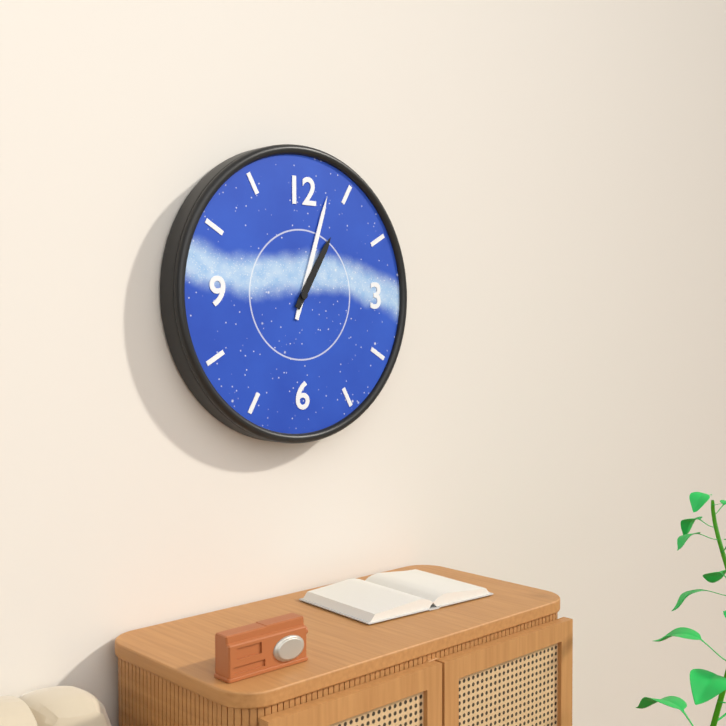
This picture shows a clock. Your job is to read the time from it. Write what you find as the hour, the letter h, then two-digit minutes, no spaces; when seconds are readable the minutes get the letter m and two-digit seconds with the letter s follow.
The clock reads 1h03
